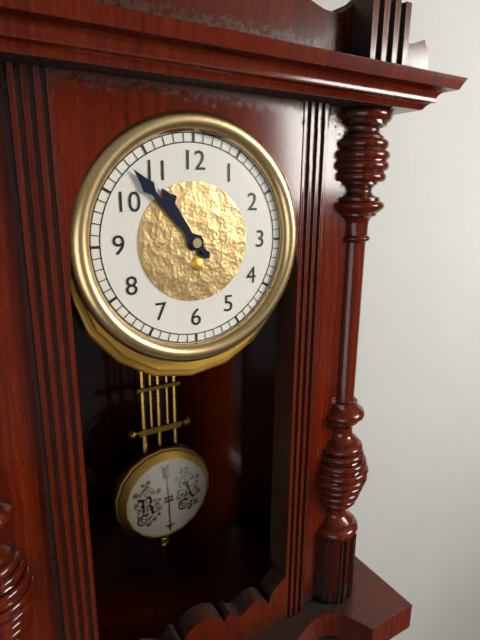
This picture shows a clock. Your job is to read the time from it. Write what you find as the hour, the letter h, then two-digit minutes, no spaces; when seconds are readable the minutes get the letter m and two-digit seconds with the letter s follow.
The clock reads 10h53
